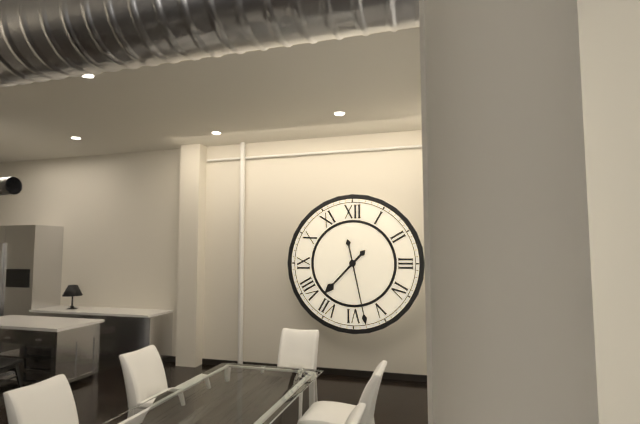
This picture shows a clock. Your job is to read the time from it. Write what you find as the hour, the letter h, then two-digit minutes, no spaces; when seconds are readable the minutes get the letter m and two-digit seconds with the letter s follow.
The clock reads 7h28
